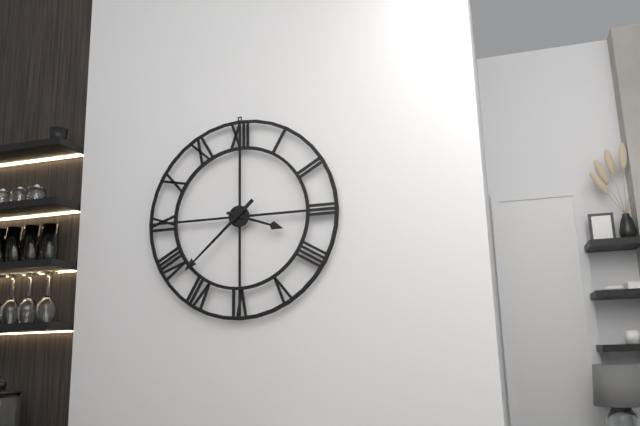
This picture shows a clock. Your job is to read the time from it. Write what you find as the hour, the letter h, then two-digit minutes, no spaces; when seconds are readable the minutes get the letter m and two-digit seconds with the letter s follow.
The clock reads 3h38
